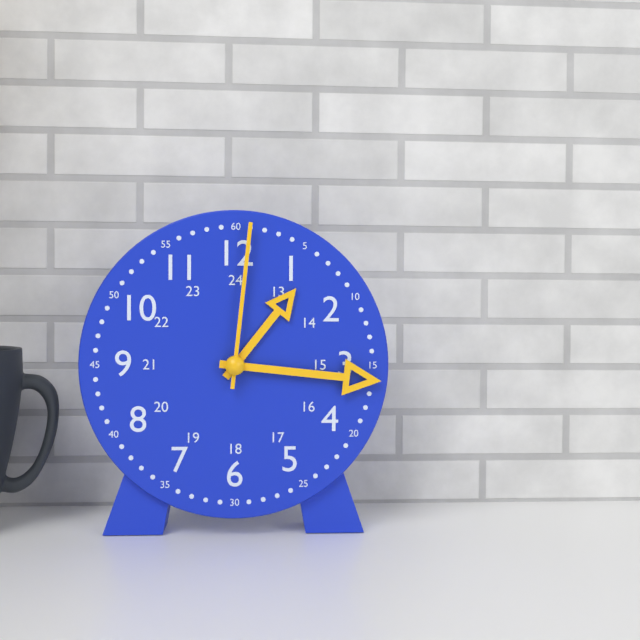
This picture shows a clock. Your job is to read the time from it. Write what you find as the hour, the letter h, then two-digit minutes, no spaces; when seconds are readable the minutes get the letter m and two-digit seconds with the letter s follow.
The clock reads 1h16m01s
